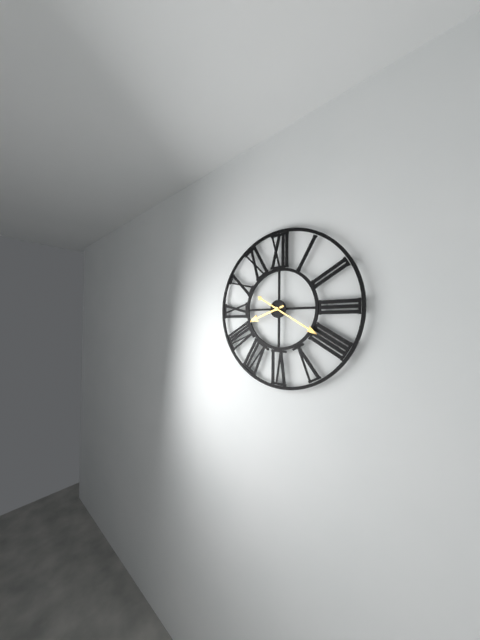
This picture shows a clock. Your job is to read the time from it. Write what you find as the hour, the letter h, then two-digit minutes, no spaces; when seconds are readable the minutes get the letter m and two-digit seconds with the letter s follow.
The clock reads 8h20
